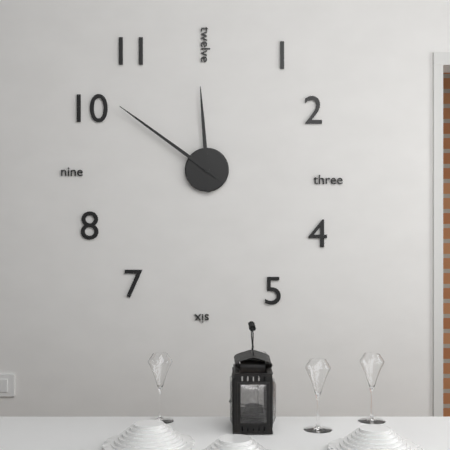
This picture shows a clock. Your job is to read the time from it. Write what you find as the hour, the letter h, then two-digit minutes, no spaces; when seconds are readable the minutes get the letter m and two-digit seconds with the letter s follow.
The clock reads 11h51
